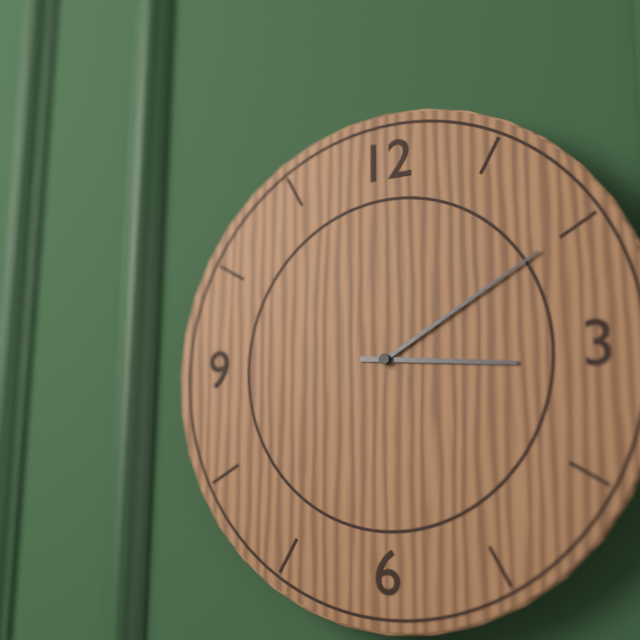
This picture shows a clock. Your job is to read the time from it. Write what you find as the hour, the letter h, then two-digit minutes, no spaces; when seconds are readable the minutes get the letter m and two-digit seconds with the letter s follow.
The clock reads 3h10
